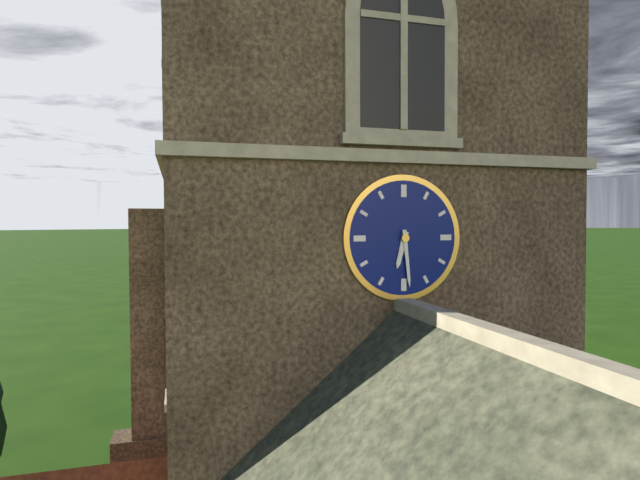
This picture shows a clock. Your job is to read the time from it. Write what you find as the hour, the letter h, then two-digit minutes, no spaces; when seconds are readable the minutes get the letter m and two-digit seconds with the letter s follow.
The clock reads 6h29
